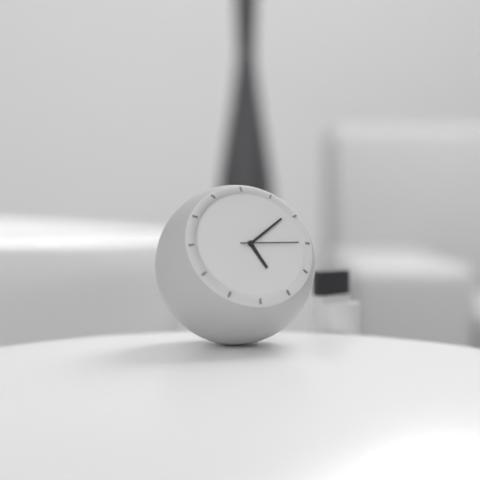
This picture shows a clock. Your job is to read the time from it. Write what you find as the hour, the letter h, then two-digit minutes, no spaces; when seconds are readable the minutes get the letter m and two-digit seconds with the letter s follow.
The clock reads 5h09m15s
